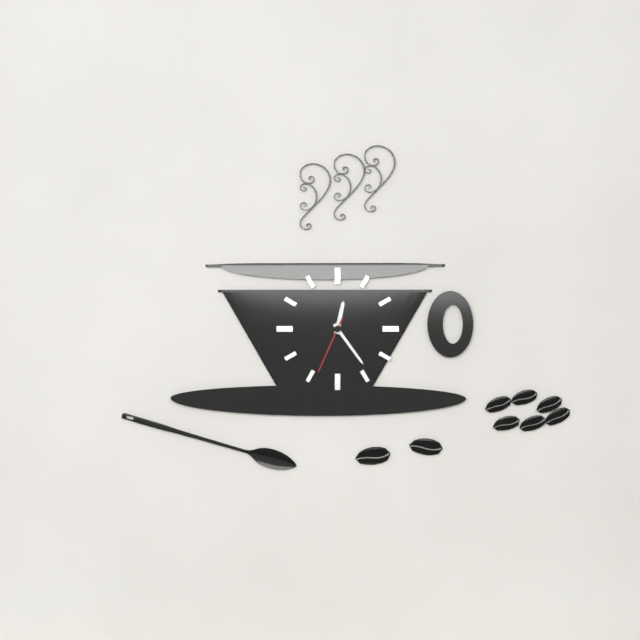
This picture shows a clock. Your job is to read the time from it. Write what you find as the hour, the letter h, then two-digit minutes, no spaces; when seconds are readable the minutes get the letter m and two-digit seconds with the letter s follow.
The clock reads 12h24m34s
